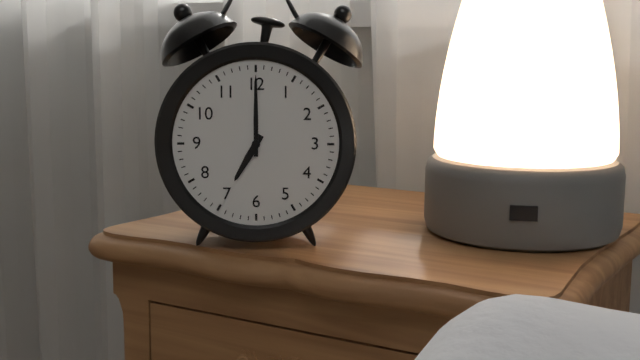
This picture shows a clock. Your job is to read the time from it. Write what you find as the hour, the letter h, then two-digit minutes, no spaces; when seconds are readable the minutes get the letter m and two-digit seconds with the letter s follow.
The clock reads 7h00
